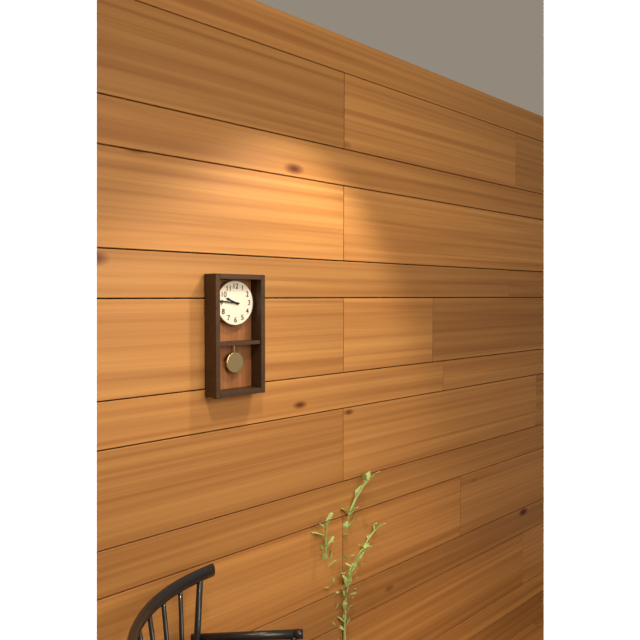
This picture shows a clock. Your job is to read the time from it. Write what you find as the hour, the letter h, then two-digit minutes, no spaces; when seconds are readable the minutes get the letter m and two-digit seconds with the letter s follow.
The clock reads 9h46
